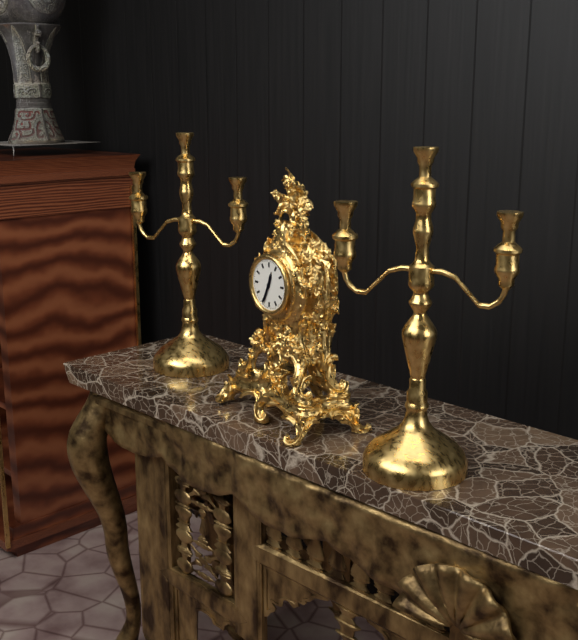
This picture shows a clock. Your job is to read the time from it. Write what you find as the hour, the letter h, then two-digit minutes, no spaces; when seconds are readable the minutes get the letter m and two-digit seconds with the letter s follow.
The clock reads 12h34
